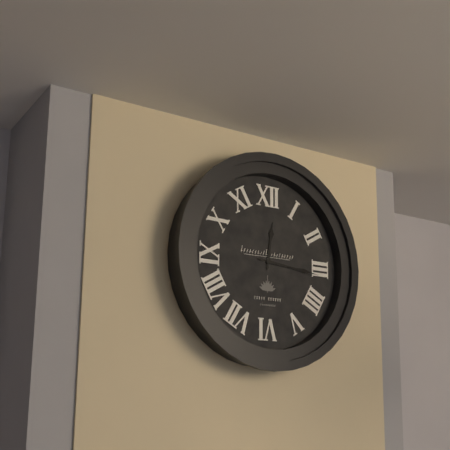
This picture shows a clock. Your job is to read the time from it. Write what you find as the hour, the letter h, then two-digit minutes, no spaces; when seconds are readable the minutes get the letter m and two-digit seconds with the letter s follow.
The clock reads 12h16
